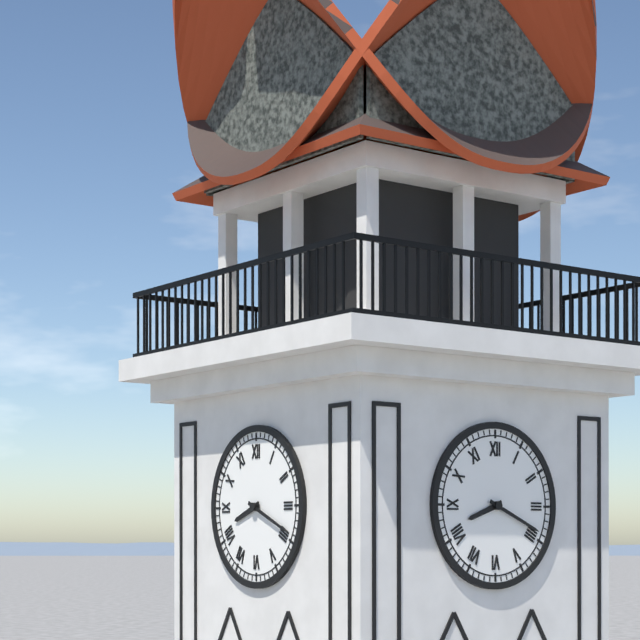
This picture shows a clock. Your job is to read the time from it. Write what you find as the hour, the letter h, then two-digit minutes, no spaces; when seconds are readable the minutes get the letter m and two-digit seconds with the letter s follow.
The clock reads 8h19
